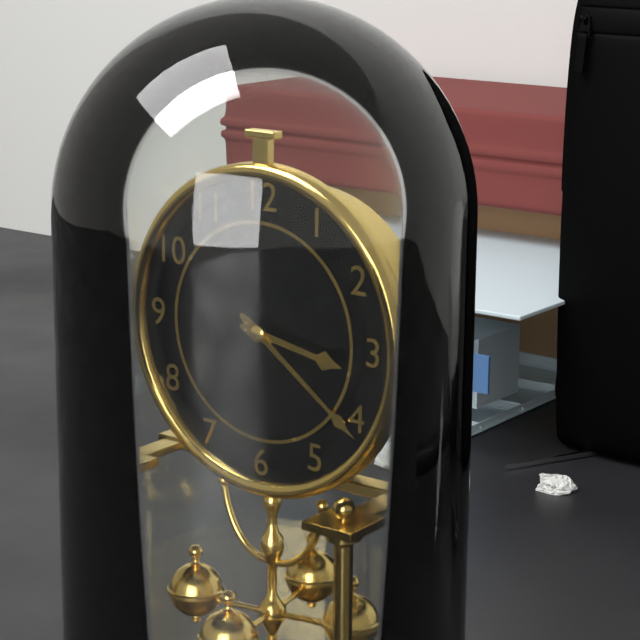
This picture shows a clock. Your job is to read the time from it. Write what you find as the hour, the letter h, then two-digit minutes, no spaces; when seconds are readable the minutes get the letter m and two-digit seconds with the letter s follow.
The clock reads 3h21
